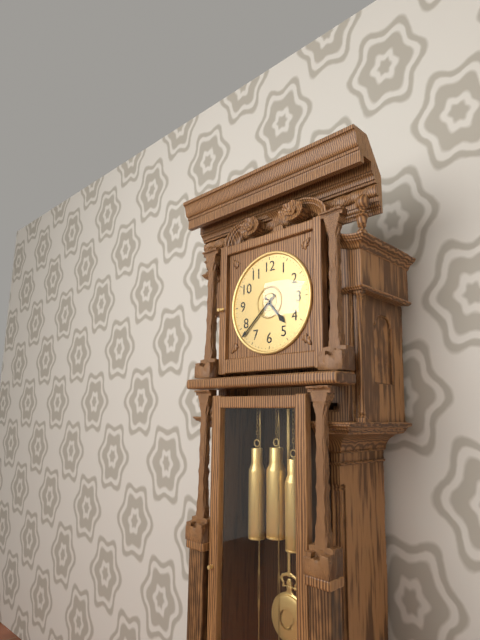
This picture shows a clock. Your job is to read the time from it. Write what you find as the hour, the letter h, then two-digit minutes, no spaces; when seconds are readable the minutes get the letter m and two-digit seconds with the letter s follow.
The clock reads 4h38
